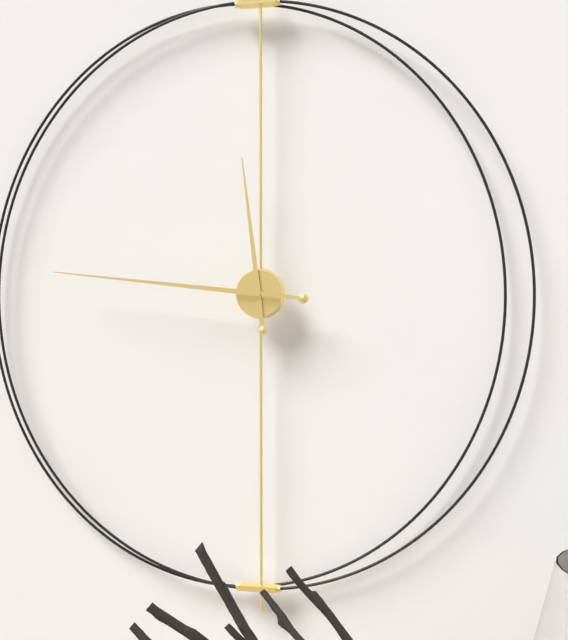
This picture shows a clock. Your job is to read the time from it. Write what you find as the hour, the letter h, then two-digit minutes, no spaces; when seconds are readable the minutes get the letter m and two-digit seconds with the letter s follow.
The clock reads 11h46
